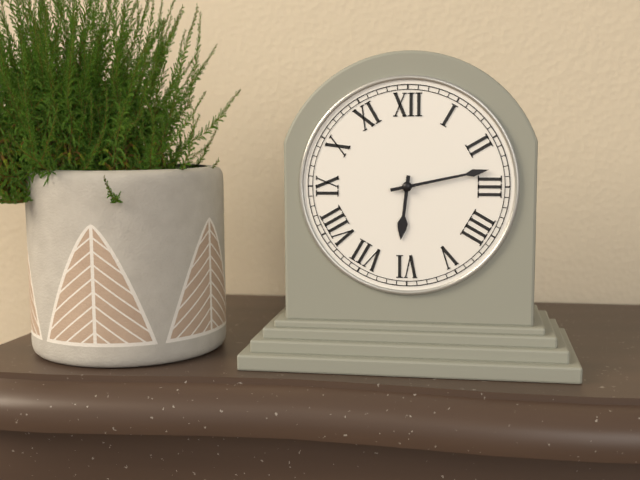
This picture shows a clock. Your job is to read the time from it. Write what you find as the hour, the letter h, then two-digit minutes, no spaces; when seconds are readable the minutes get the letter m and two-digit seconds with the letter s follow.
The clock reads 6h13
